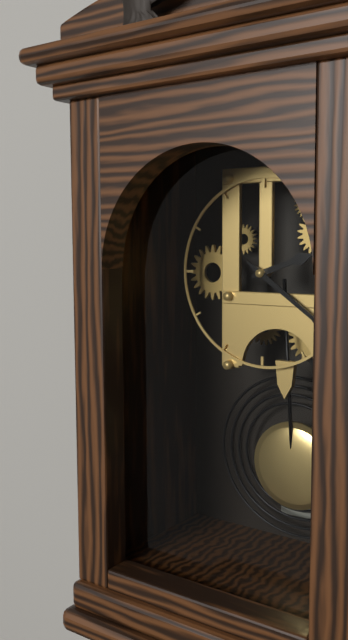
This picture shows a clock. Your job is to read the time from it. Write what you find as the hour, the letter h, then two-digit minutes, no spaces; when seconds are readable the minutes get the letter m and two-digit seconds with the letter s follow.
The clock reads 2h21
